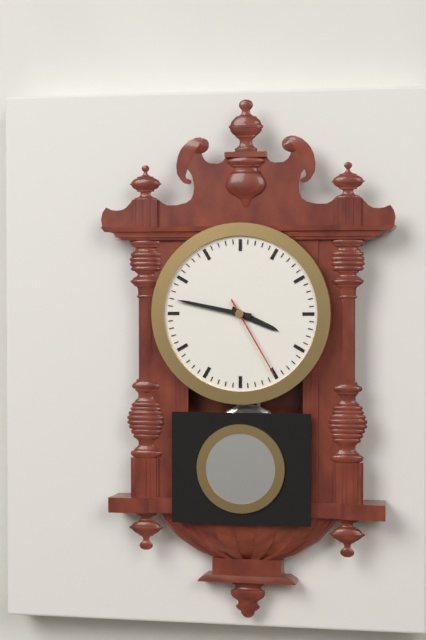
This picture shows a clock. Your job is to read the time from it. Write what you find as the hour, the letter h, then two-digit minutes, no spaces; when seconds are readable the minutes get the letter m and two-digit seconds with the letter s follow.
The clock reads 3h47m25s
